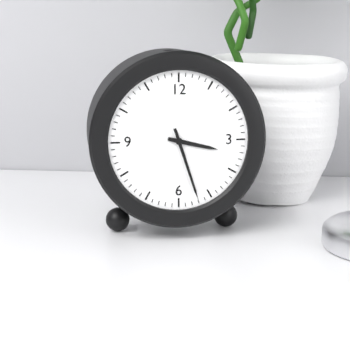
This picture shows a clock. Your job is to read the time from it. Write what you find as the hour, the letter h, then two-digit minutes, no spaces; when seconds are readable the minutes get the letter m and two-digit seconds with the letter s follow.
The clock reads 3h27
